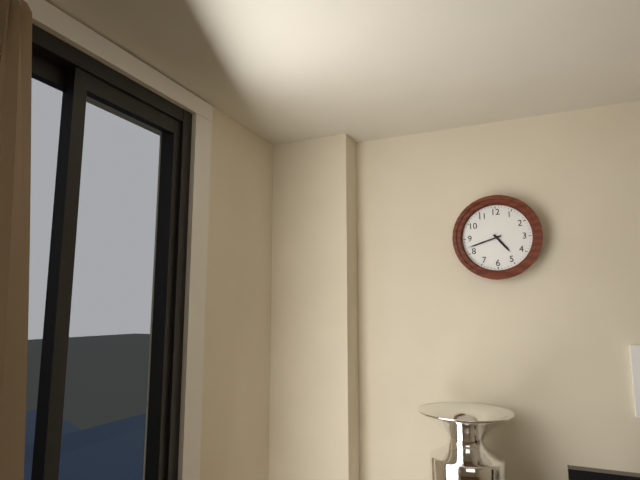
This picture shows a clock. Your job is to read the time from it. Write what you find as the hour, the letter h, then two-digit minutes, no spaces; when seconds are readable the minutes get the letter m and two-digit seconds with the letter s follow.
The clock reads 4h42
